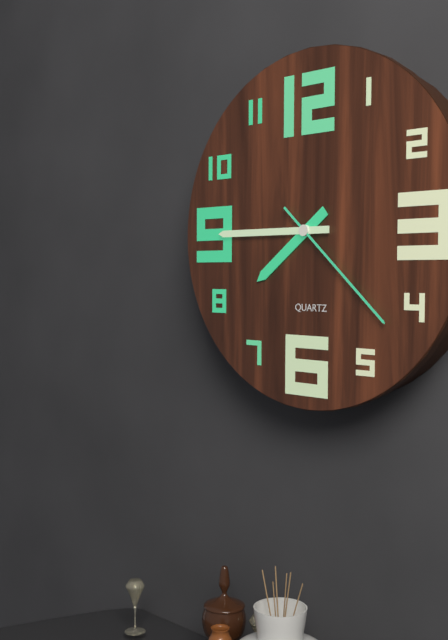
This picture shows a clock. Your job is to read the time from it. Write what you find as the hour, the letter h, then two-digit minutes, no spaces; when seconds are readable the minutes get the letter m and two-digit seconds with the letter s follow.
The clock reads 7h45m22s
